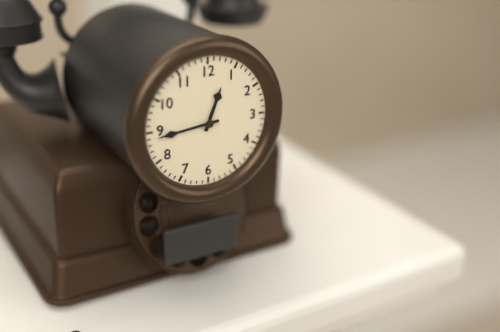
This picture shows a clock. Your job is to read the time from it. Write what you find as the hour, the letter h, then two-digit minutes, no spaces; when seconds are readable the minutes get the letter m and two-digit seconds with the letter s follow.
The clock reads 12h44
